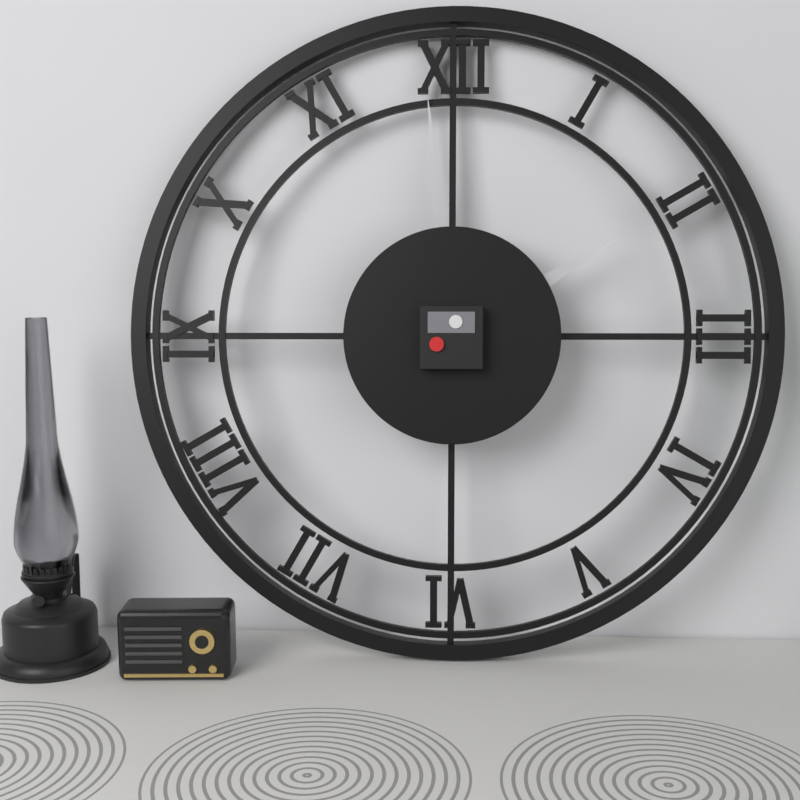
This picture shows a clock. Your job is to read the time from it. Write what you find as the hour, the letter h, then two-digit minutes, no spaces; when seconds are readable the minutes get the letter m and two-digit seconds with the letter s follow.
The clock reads 1h59
